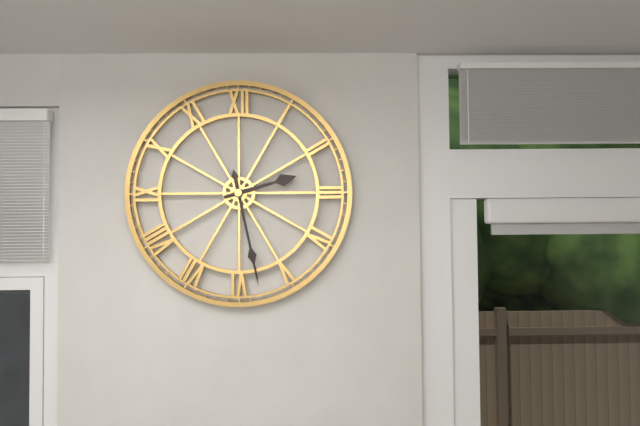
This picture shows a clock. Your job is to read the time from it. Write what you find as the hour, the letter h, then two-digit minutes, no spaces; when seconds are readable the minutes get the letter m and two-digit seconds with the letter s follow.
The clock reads 2h28
